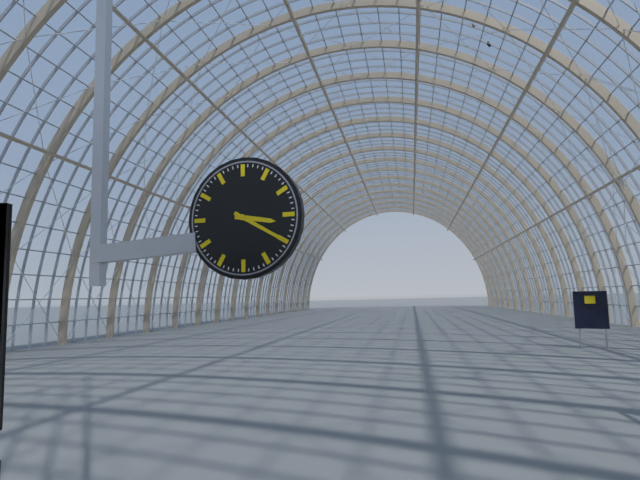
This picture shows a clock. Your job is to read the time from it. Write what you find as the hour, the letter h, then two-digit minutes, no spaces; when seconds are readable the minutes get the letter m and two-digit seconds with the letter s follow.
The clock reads 3h20
